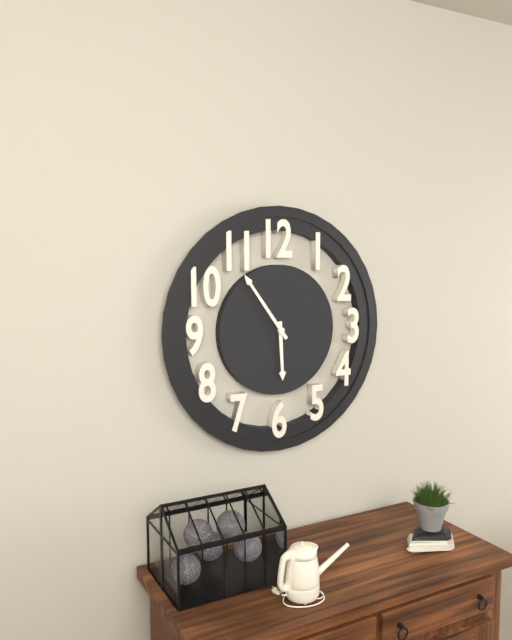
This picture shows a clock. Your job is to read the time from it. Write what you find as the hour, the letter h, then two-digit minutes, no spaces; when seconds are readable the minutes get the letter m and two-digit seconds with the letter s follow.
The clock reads 5h54
